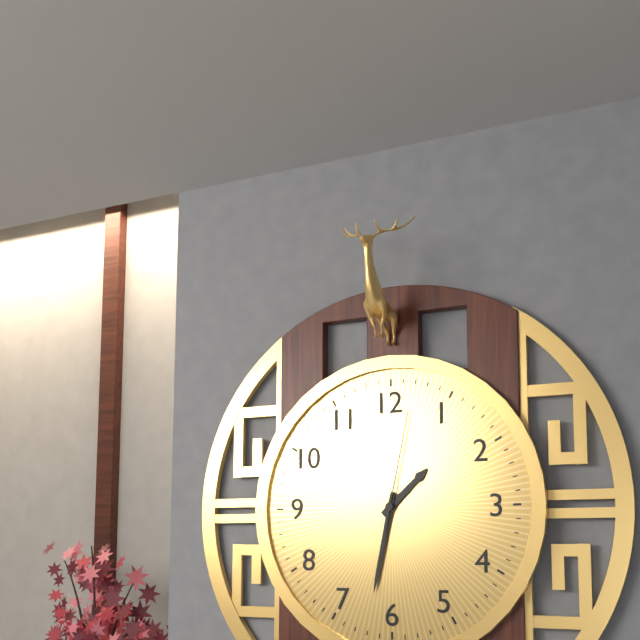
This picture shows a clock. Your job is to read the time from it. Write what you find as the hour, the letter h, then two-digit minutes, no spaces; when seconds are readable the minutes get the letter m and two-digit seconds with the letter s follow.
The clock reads 1h32m02s
